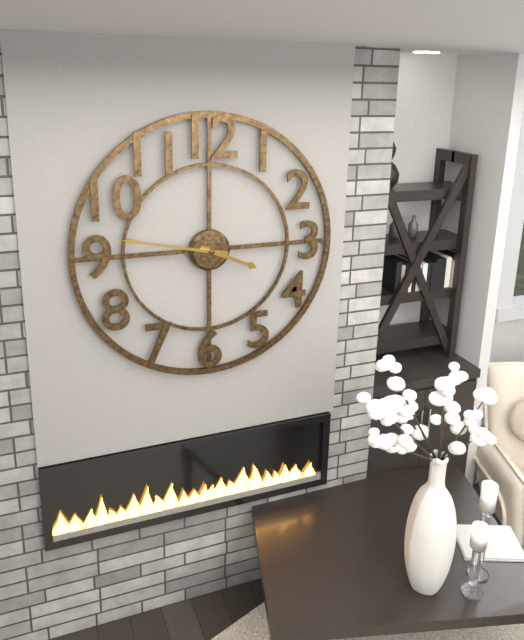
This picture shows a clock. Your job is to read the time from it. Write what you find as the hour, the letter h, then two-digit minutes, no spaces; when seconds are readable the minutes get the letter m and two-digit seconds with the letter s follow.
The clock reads 3h47
